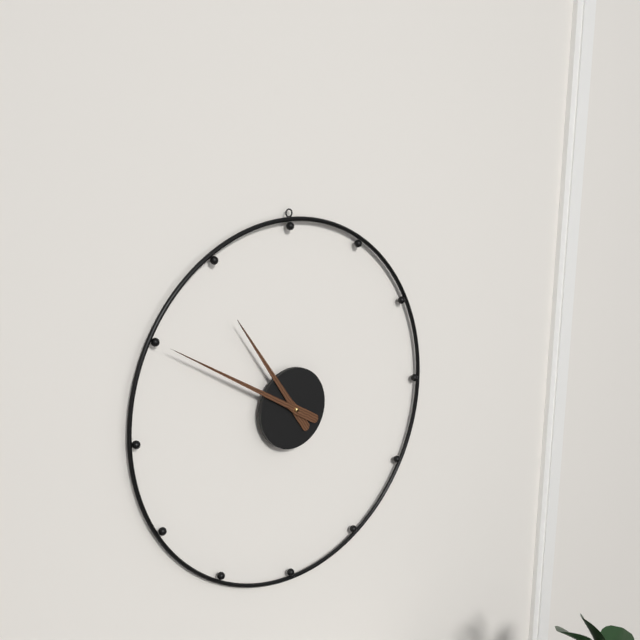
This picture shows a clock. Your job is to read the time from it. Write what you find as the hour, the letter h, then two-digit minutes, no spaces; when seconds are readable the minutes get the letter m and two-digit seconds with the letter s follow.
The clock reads 10h50
